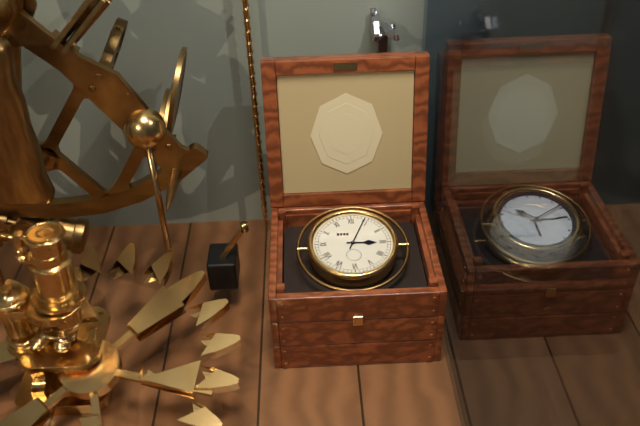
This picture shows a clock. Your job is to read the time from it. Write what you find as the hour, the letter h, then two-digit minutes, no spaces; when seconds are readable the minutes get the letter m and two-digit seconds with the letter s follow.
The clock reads 3h04
